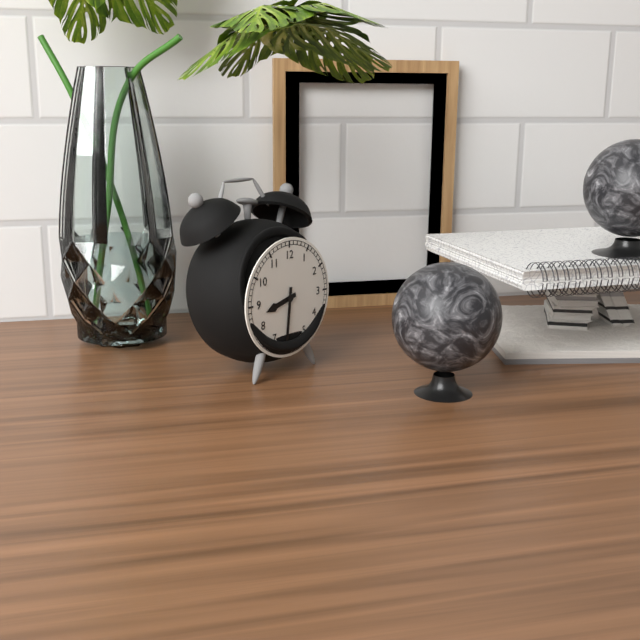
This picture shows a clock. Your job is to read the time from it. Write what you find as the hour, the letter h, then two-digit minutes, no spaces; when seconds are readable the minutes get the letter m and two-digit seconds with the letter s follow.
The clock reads 8h31
